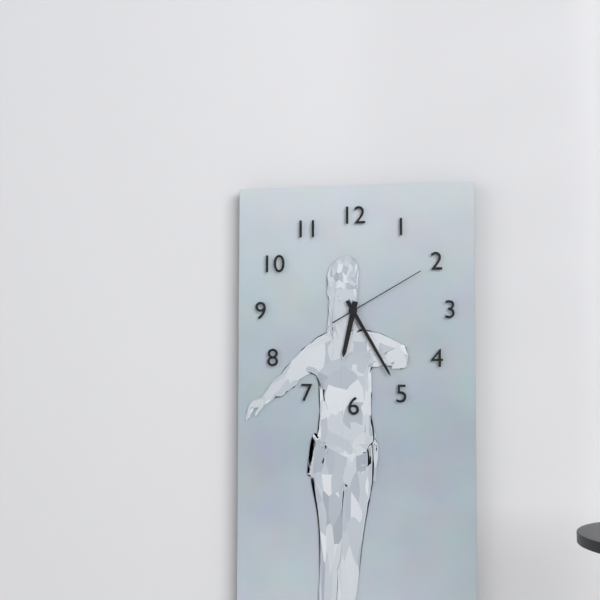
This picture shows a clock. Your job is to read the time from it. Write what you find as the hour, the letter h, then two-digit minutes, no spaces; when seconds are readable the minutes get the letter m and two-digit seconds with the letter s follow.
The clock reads 6h25m10s
